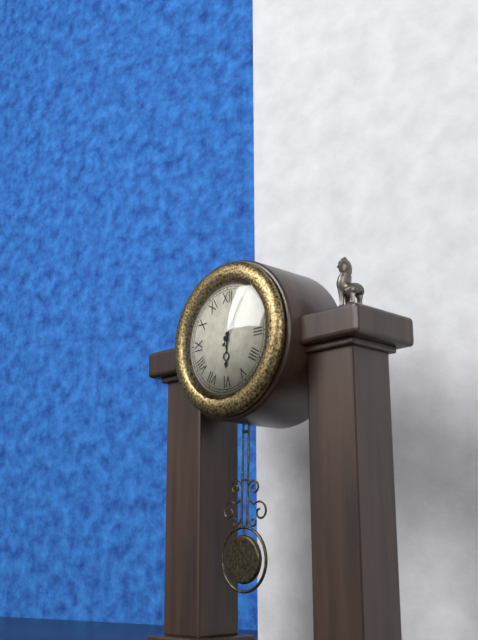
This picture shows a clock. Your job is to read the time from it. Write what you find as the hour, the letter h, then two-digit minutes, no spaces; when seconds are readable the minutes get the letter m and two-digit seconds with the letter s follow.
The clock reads 6h05
